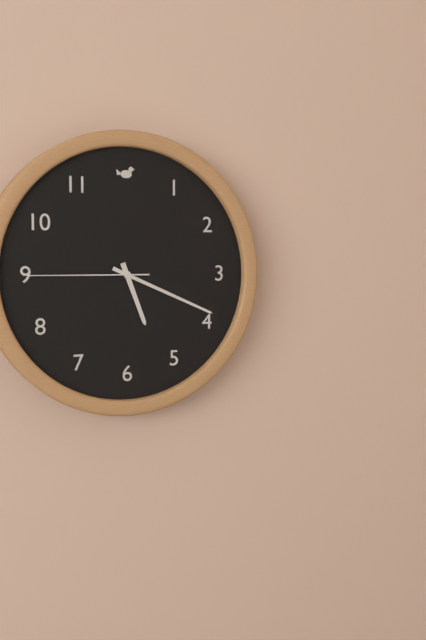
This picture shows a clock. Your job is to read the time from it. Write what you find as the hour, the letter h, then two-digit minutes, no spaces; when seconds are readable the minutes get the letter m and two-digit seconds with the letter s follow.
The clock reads 5h19m45s
